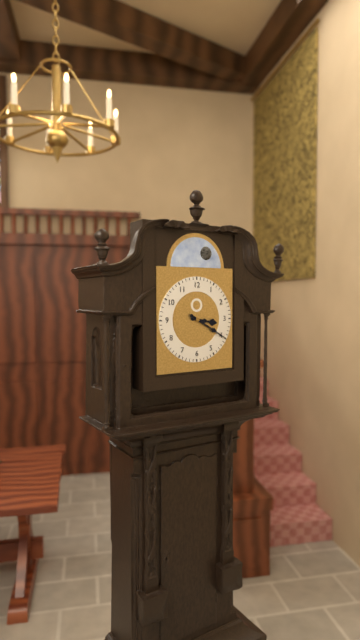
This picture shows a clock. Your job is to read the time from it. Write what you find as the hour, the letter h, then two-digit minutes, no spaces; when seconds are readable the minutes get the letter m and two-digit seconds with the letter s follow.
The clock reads 3h20
